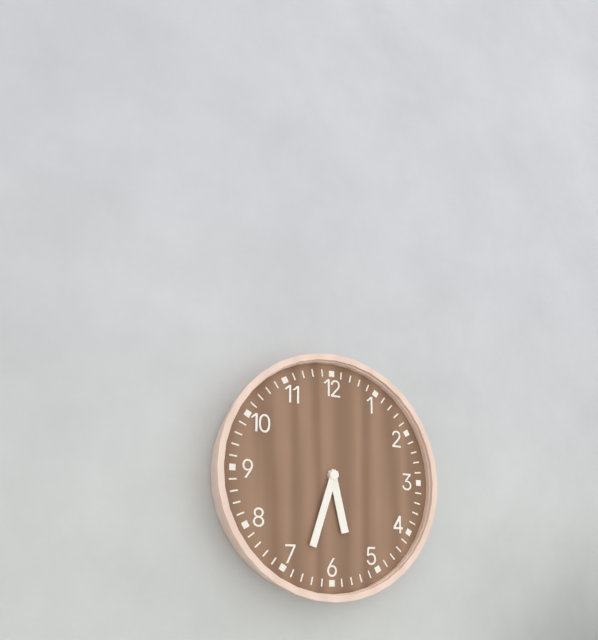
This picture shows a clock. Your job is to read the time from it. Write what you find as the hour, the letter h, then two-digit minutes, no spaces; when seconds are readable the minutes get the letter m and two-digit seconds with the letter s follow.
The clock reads 5h33
